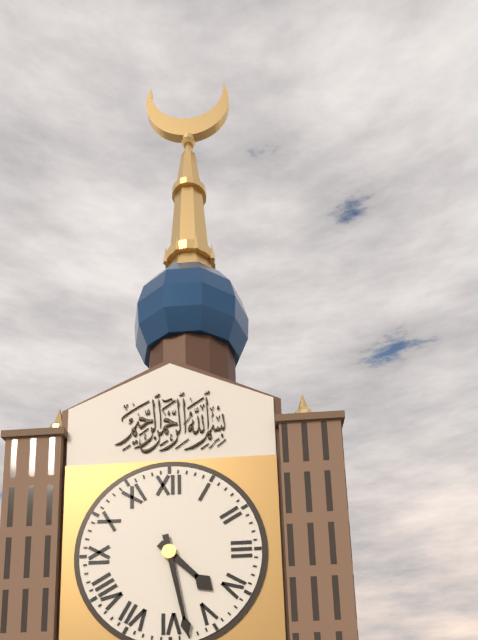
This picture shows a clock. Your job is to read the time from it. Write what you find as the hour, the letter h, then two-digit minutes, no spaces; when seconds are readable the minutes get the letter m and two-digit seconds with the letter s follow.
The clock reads 4h28
